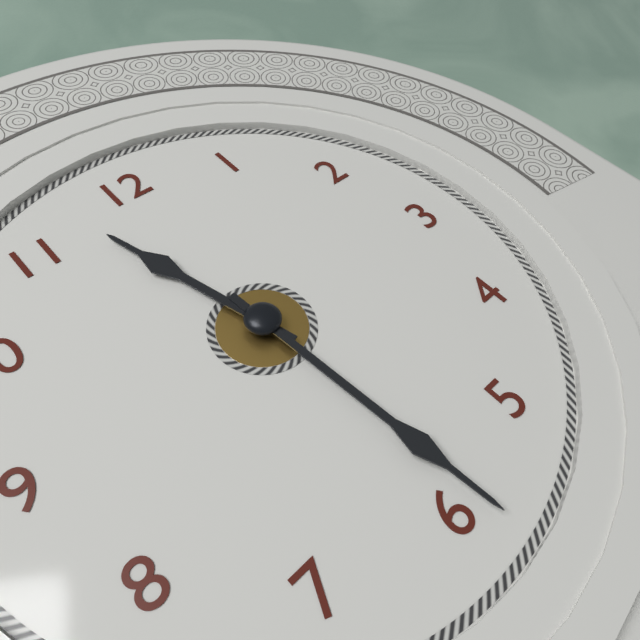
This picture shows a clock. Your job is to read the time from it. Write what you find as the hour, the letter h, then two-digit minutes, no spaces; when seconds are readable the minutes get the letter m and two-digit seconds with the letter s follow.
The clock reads 11h29
